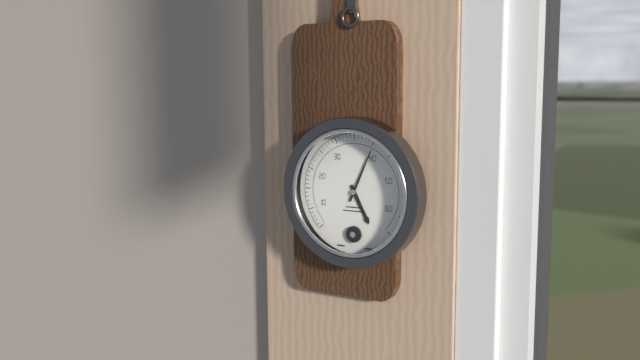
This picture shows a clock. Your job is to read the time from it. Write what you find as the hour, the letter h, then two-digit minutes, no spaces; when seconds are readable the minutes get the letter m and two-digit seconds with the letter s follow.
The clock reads 5h04
